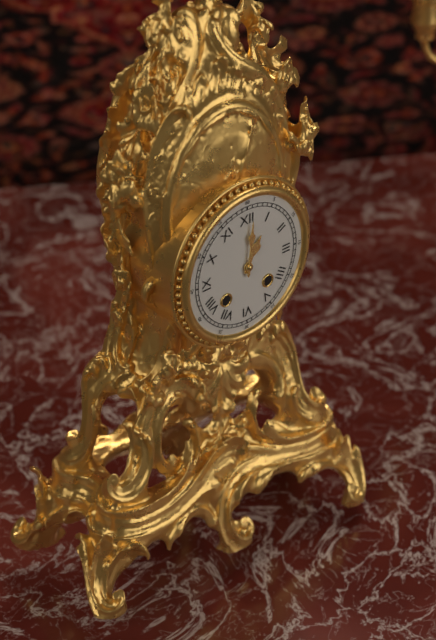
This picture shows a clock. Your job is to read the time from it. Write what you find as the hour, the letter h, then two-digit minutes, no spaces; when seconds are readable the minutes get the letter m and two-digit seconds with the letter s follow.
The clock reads 1h01
